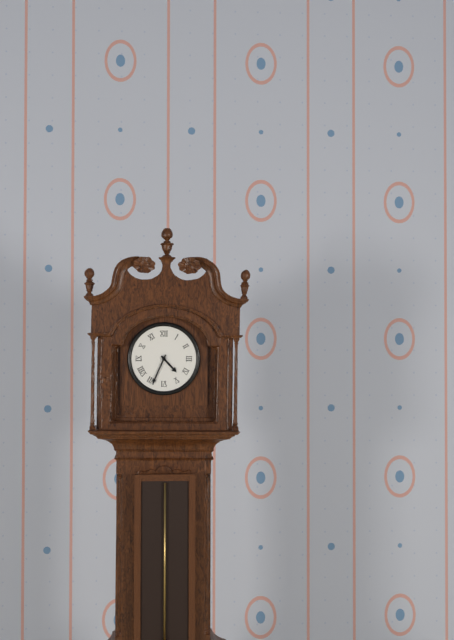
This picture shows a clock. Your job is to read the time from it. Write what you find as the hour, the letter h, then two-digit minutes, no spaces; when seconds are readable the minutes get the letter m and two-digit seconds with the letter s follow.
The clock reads 4h34
